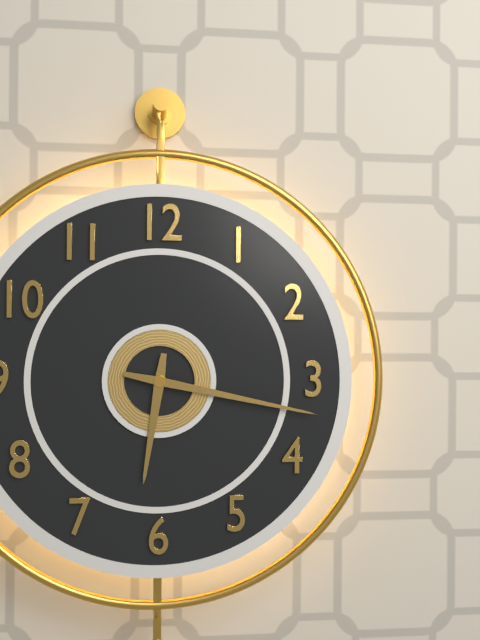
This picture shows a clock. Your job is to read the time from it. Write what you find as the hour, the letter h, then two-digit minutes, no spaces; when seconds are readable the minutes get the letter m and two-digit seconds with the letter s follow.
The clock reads 6h17
